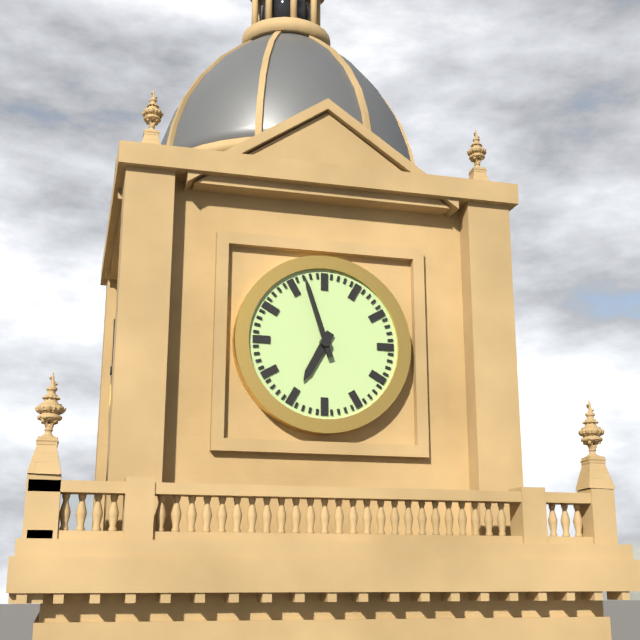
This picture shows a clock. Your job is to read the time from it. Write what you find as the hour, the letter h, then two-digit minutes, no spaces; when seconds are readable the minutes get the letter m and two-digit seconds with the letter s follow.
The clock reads 6h57
